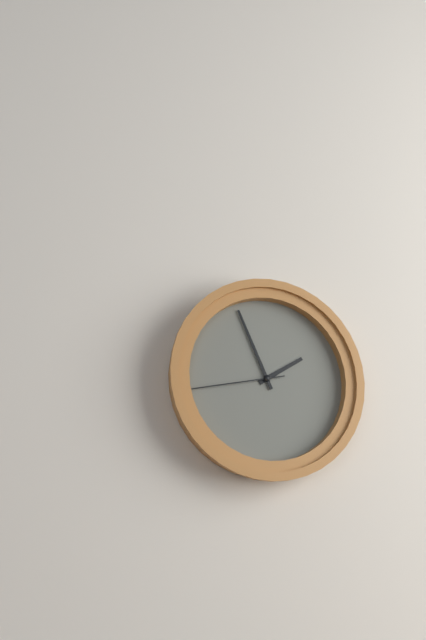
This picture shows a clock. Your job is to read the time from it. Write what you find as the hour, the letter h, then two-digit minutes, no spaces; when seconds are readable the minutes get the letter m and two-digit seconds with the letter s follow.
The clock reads 1h56m43s
